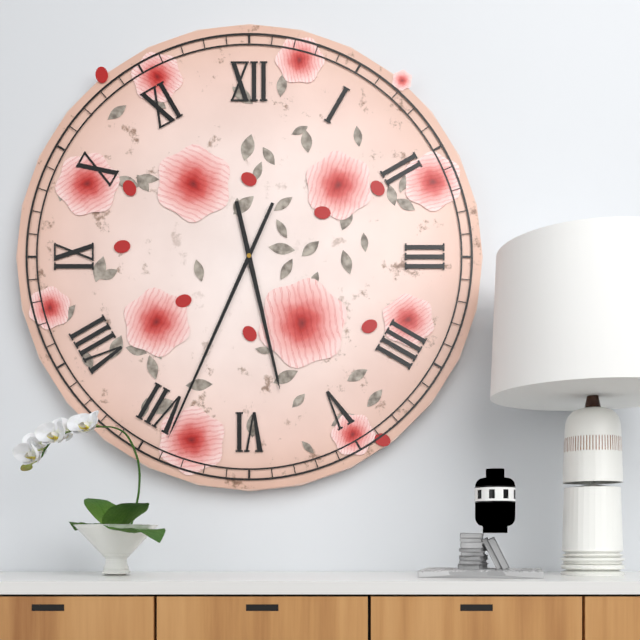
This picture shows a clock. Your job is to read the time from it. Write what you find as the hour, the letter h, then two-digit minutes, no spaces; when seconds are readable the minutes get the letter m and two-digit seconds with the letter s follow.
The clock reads 5h34
